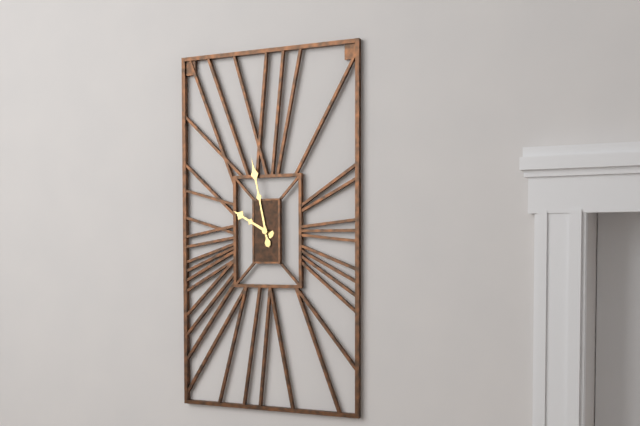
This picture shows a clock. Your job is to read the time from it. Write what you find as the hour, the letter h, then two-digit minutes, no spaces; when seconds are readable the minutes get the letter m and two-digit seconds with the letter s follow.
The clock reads 9h58
